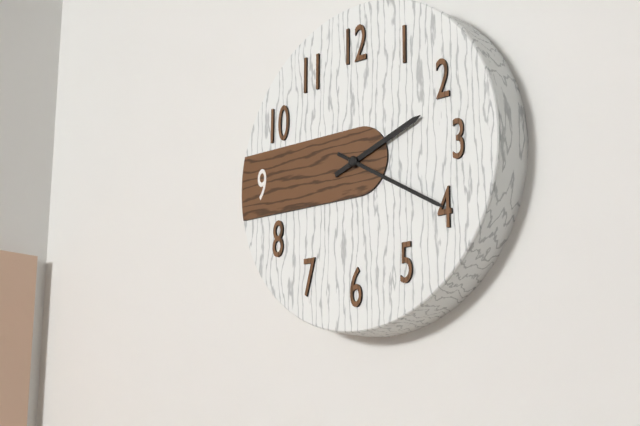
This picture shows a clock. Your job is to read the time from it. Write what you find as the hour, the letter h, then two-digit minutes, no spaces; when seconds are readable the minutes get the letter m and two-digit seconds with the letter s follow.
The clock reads 2h20
